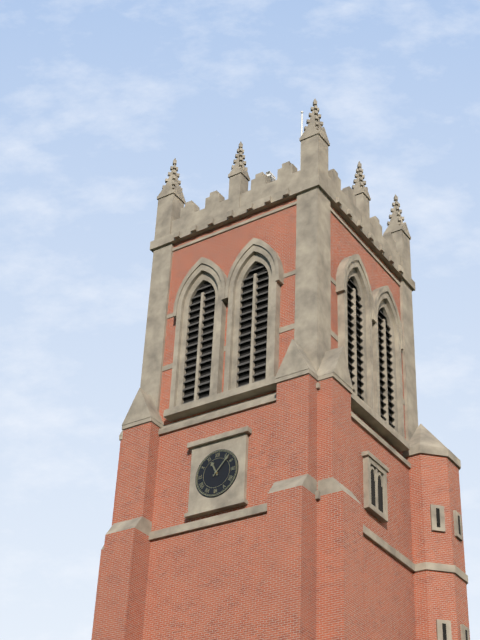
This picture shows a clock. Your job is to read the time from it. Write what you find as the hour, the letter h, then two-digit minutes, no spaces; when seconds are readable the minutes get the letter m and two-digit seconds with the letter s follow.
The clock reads 11h07
